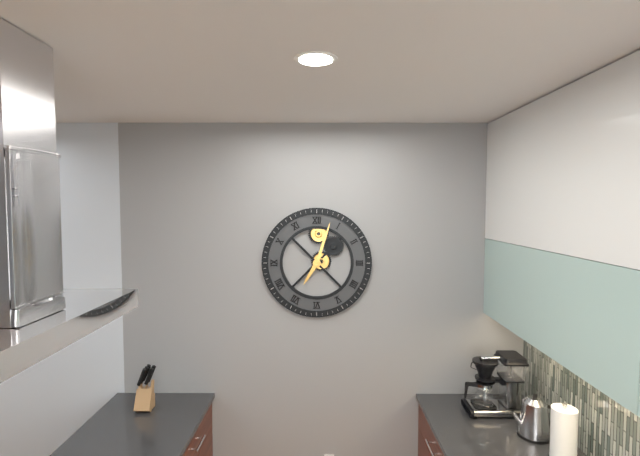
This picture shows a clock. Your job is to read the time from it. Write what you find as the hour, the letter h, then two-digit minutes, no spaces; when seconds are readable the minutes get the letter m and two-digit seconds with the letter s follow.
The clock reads 7h03
